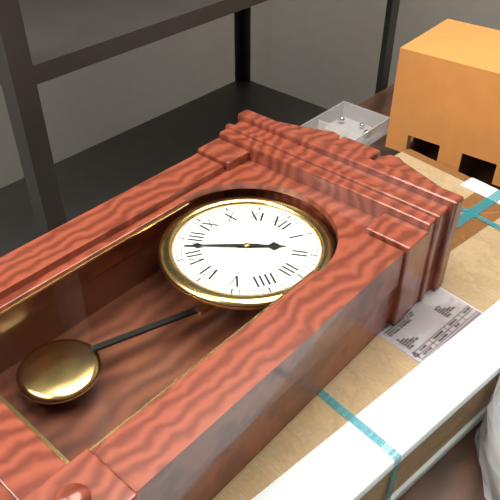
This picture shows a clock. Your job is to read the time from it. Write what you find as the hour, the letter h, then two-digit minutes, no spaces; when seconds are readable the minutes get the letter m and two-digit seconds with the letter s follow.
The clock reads 1h38
